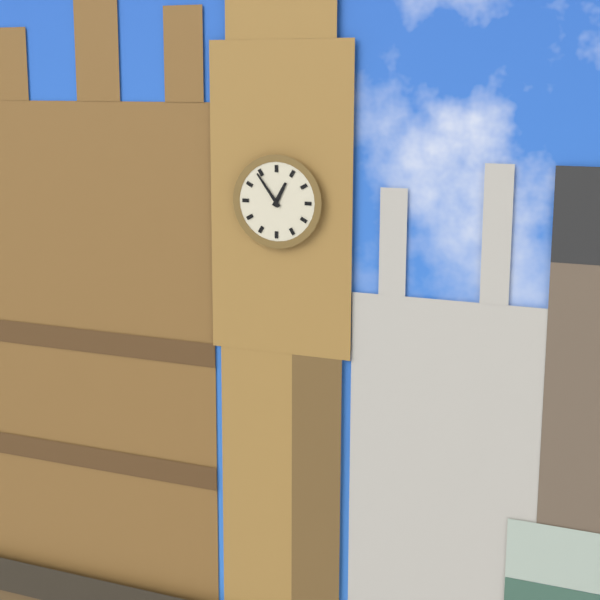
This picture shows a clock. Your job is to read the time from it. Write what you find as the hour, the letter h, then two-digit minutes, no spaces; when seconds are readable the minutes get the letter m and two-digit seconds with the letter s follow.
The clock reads 12h54
